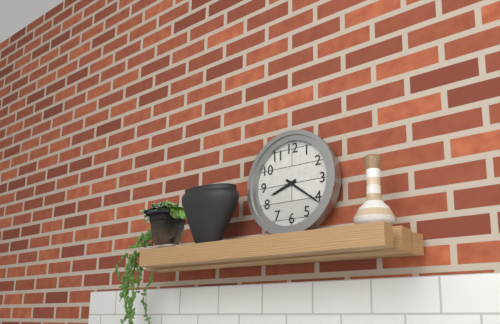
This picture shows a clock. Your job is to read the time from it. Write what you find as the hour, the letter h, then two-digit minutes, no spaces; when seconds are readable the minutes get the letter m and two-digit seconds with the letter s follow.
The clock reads 8h21
